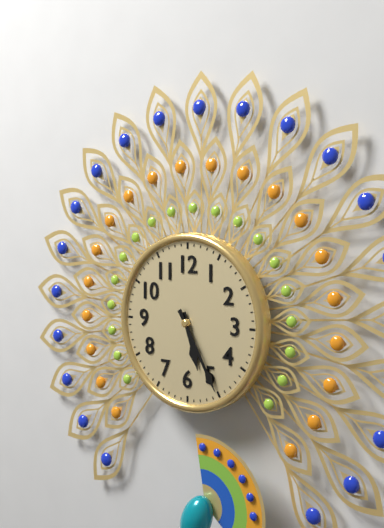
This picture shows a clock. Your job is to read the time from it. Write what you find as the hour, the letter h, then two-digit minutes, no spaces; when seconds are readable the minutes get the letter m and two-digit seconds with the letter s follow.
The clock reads 5h25
